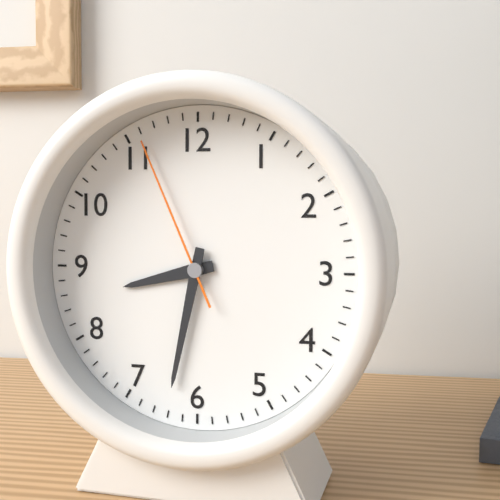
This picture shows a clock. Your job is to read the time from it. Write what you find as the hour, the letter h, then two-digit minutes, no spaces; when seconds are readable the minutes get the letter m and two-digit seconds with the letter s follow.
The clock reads 8h32m56s
